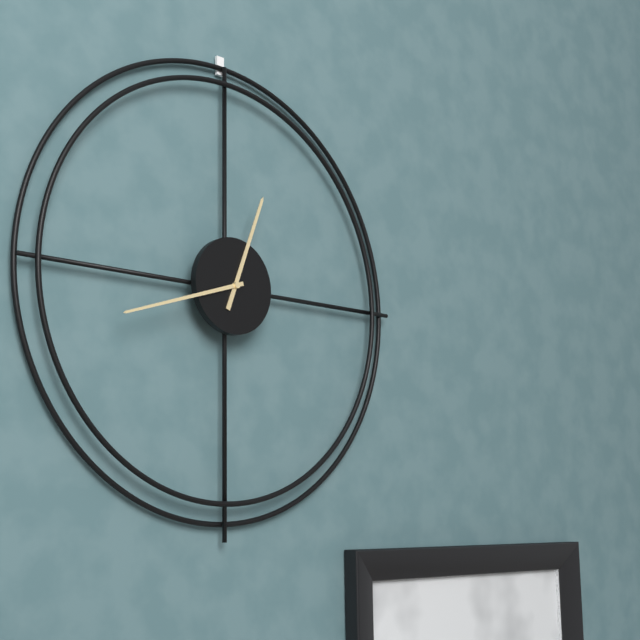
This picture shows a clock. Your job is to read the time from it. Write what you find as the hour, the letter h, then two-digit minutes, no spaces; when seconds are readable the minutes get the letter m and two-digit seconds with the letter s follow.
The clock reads 12h42
